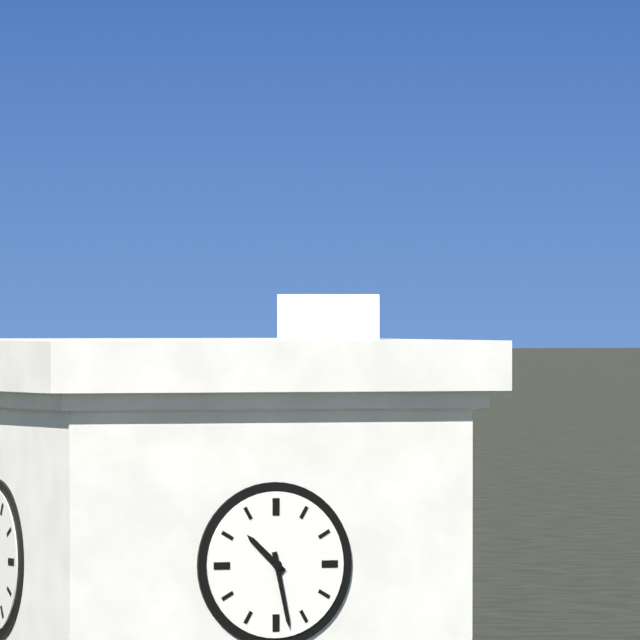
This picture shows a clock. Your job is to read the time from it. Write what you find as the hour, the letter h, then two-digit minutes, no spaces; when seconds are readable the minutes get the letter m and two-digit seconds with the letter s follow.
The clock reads 10h28
